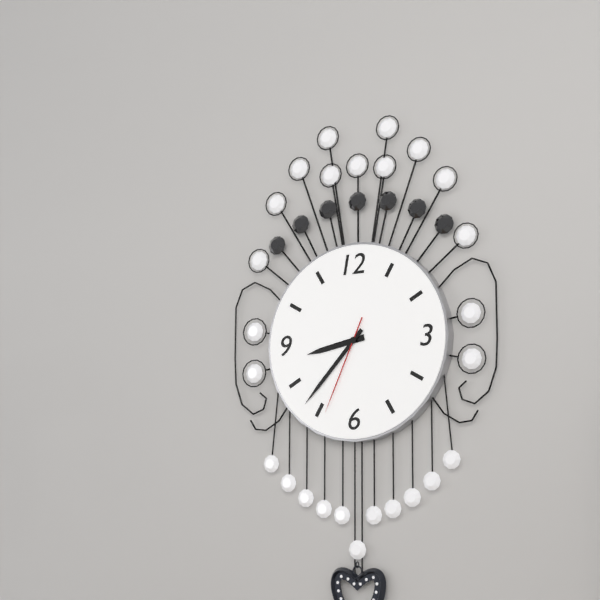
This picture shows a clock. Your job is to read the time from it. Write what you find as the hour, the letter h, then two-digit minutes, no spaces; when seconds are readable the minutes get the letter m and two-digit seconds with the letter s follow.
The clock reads 8h37m34s
